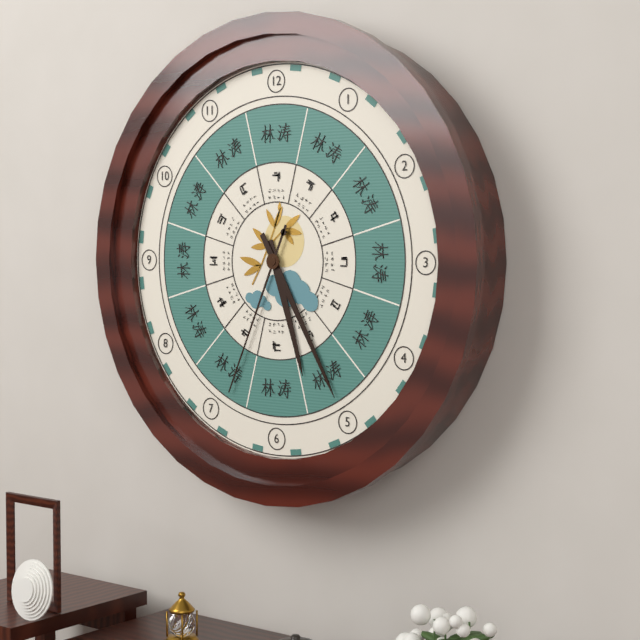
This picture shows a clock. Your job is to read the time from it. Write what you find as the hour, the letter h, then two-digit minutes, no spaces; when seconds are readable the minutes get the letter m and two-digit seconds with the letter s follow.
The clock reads 5h25m34s
